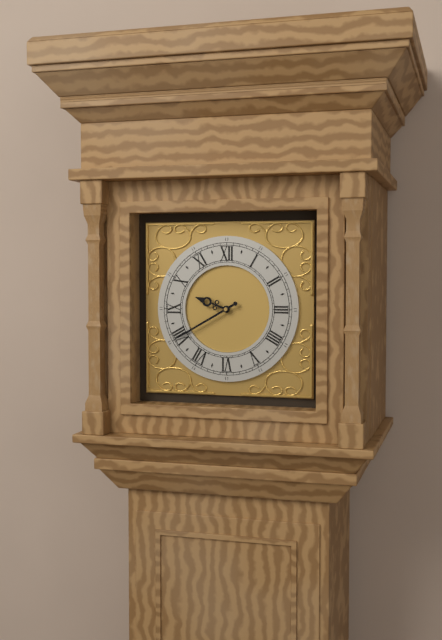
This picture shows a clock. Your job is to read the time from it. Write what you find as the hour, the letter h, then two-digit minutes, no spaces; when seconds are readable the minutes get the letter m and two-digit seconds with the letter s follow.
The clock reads 9h40
